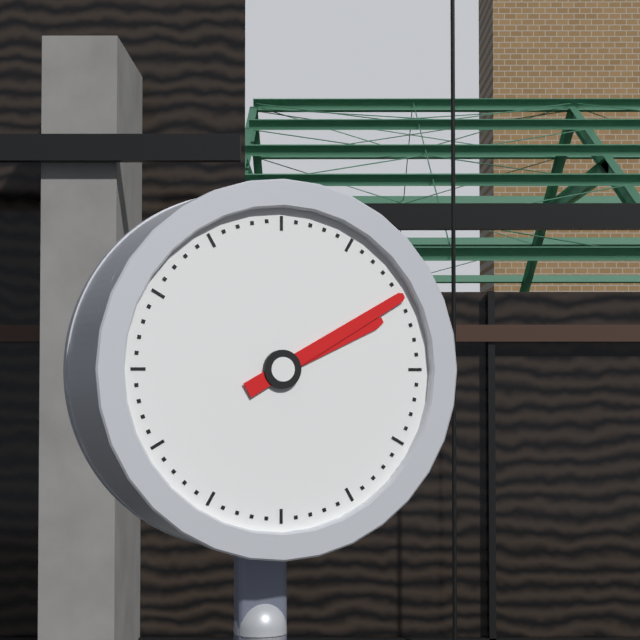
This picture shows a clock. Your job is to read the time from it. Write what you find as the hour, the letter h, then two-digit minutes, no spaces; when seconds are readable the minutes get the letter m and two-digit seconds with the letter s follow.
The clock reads 2h10
